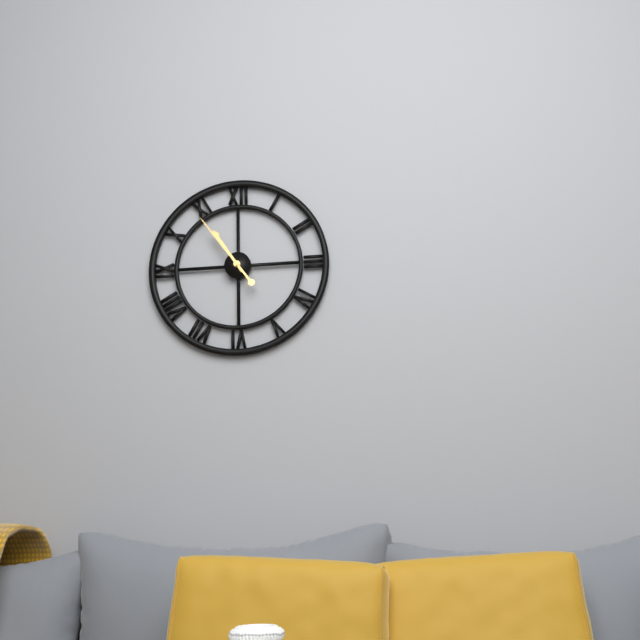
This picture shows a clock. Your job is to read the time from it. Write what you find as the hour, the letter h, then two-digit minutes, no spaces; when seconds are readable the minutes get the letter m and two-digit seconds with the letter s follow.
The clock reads 10h54
